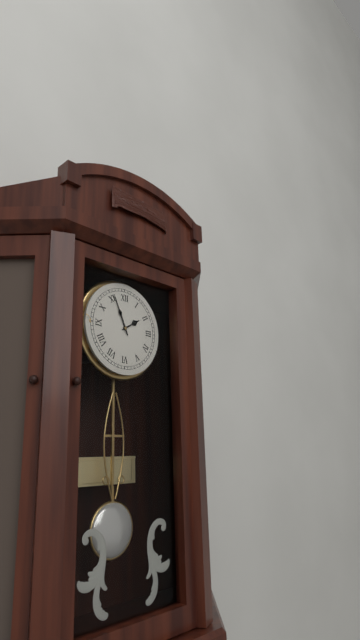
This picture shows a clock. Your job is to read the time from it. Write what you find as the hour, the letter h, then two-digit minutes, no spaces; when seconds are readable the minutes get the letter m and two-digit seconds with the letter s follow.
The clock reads 1h56
